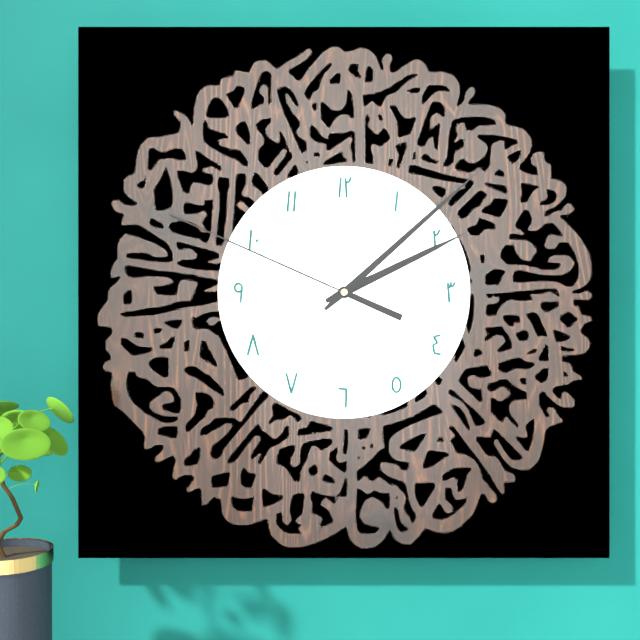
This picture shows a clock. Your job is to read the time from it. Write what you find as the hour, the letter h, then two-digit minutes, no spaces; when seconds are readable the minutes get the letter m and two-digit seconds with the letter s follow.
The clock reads 2h08m49s
